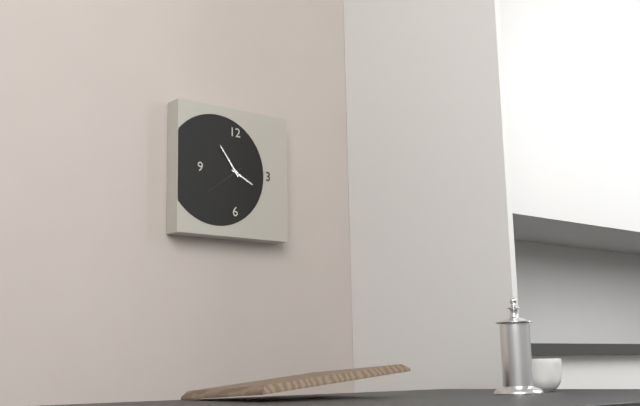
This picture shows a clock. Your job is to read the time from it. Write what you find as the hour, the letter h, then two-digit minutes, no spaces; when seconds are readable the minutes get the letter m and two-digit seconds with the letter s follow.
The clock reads 3h54
